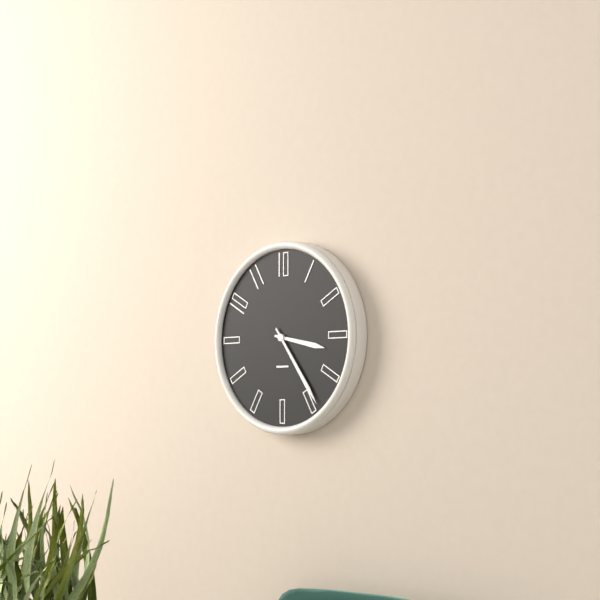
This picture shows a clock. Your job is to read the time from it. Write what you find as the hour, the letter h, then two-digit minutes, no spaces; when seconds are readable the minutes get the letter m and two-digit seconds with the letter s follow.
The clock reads 3h24
